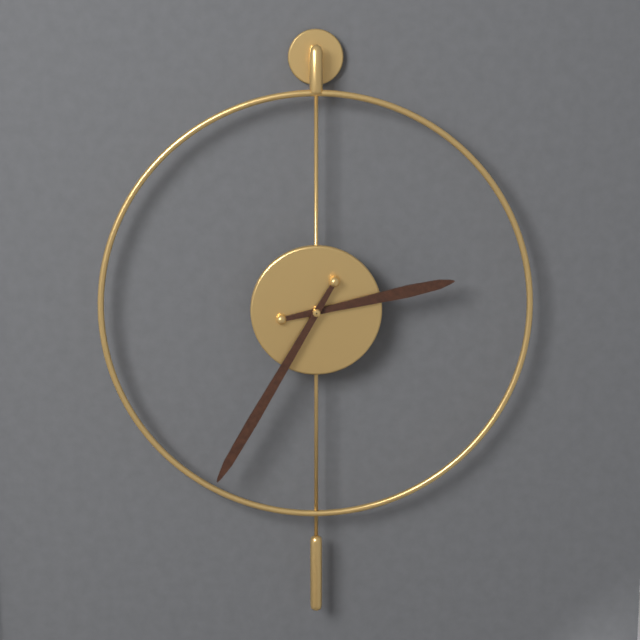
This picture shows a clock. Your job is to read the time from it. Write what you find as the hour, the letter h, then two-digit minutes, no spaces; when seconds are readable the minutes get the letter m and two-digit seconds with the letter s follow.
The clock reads 2h35
